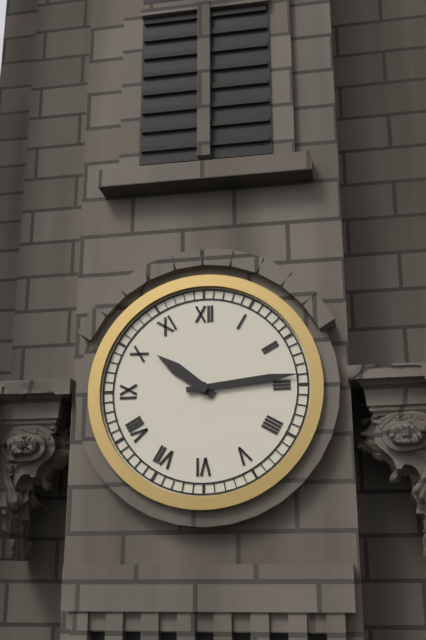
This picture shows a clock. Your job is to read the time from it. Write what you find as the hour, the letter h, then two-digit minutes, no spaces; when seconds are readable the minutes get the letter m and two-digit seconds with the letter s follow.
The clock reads 10h14
